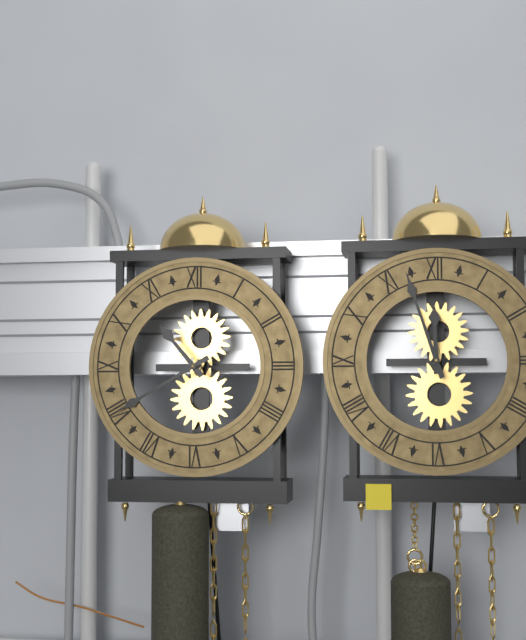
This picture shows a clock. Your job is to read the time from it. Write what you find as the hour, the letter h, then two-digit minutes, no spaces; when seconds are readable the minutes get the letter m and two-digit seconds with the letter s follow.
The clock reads 10h40
